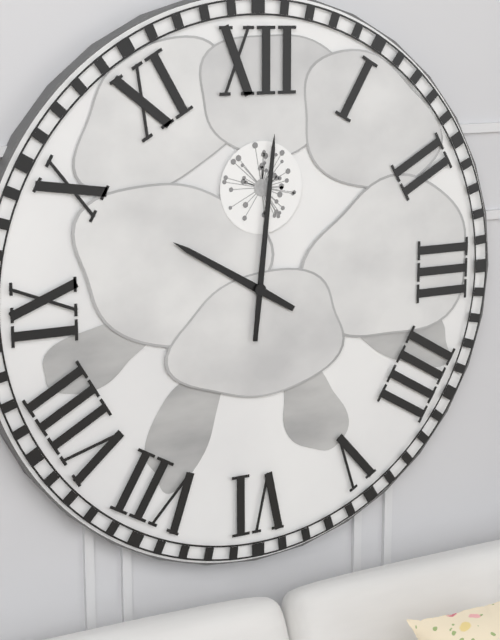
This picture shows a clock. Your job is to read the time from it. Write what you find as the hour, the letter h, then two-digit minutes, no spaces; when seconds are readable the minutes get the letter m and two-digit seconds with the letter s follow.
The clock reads 10h01
